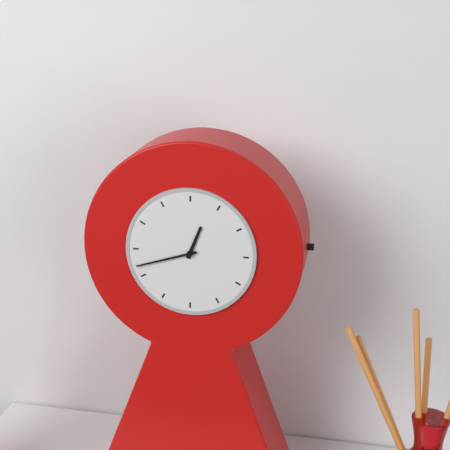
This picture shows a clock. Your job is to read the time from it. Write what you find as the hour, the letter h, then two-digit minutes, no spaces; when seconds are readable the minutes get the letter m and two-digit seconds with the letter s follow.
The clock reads 12h42
